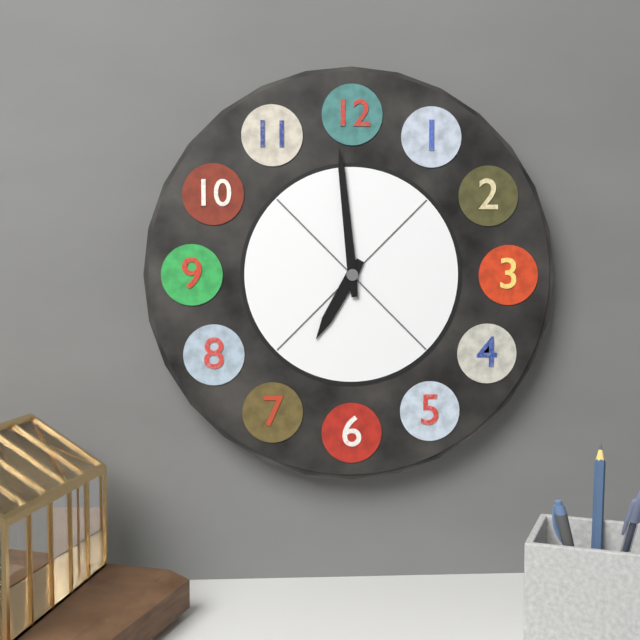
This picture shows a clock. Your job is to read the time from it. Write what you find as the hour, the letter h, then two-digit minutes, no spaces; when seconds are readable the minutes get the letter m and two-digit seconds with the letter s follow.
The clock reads 6h59
